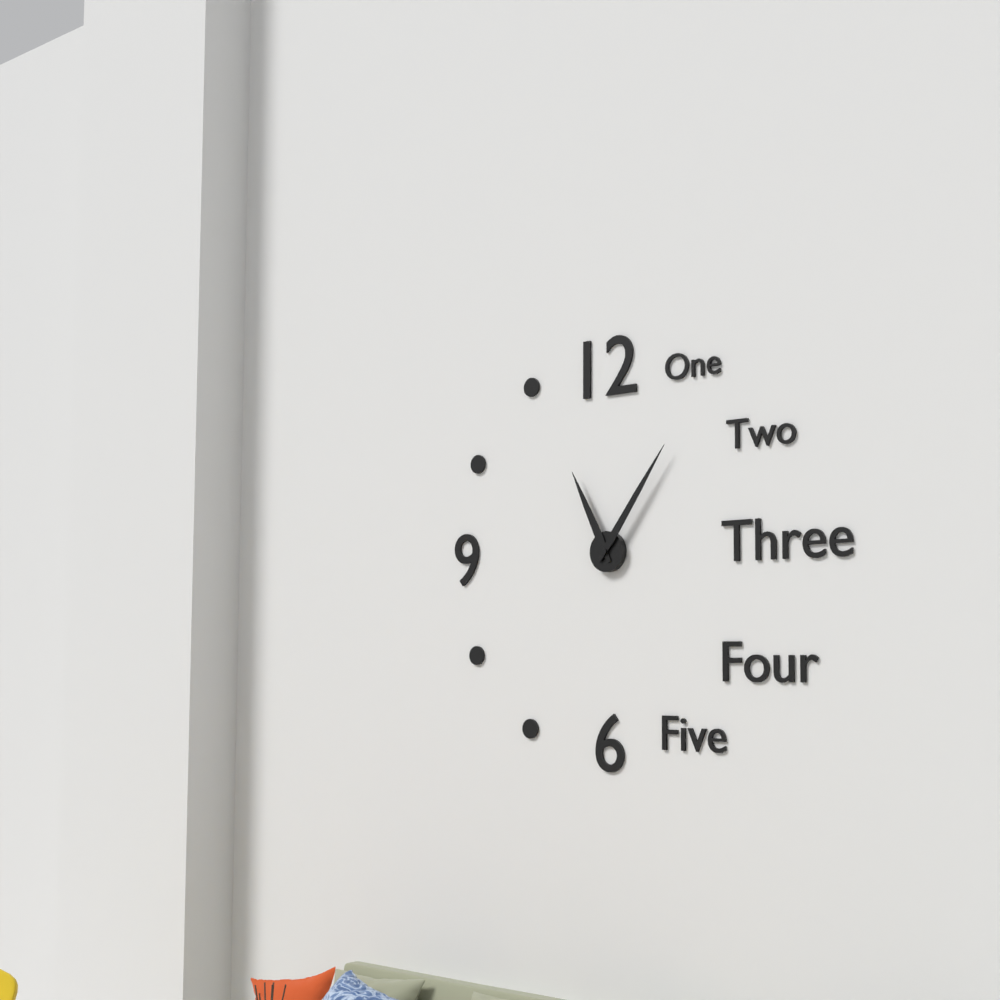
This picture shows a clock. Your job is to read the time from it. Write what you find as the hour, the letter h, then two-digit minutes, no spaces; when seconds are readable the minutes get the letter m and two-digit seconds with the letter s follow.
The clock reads 11h06
